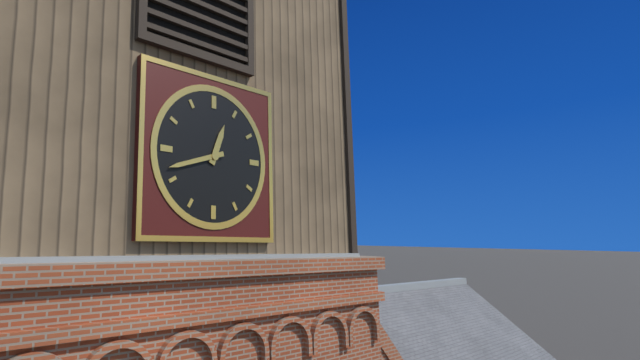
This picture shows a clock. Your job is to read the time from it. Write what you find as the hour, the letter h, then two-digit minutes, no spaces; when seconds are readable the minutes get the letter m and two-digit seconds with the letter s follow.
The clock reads 12h42
